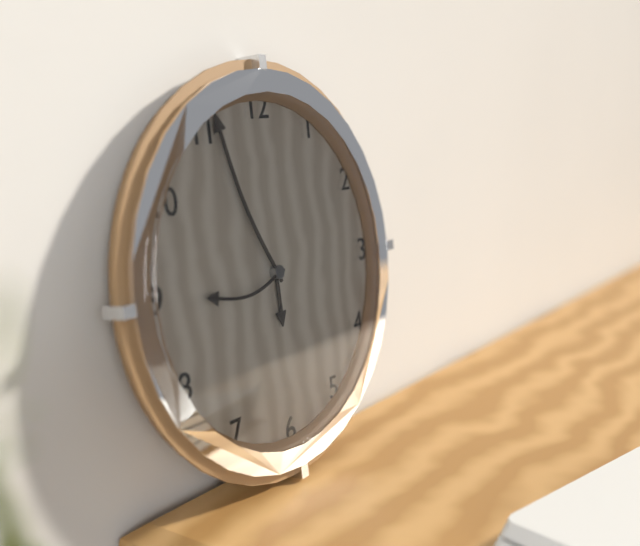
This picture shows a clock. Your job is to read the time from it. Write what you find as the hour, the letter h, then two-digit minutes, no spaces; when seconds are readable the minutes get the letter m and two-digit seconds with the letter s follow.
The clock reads 5h56m44s
